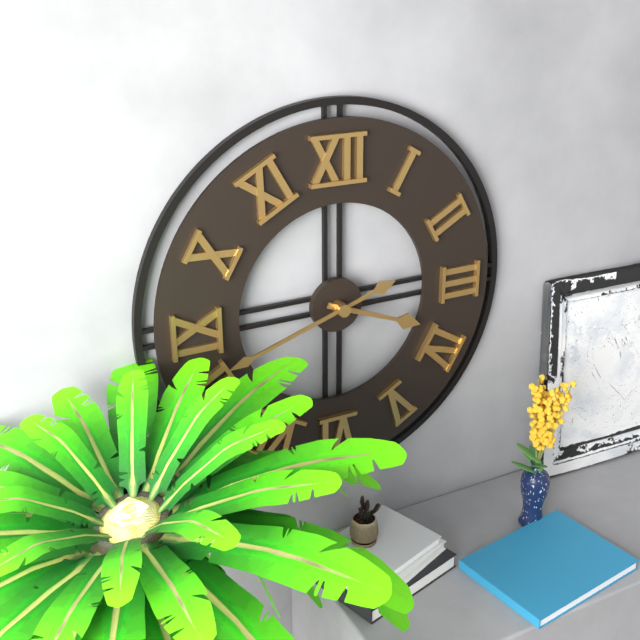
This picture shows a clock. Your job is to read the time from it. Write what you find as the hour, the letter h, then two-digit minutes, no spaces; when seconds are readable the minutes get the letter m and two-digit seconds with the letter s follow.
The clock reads 3h42
